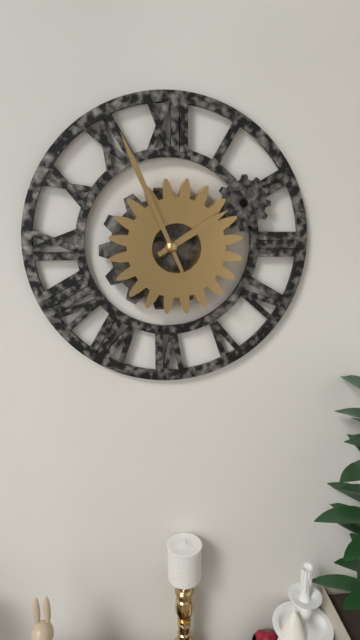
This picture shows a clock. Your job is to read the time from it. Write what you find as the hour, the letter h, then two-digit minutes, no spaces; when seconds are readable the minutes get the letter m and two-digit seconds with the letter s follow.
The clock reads 1h56
